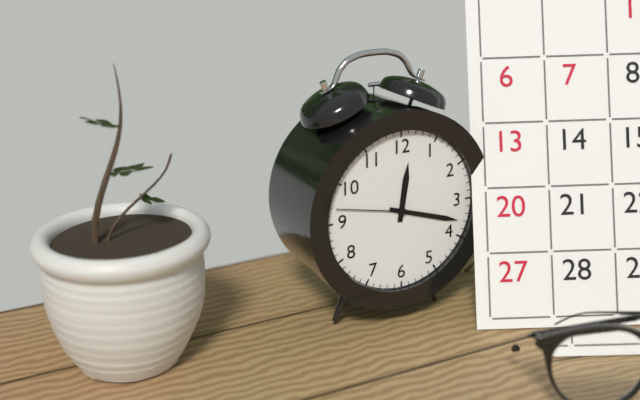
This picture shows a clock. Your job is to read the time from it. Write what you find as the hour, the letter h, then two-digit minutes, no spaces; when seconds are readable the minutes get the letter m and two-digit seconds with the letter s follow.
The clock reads 12h18m47s
